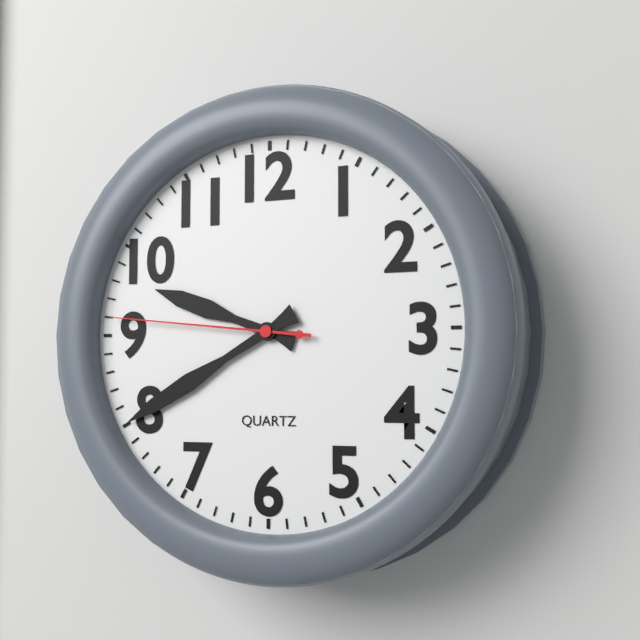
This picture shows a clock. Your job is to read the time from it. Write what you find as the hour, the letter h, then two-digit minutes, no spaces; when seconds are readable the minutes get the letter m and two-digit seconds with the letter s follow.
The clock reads 9h40m46s
